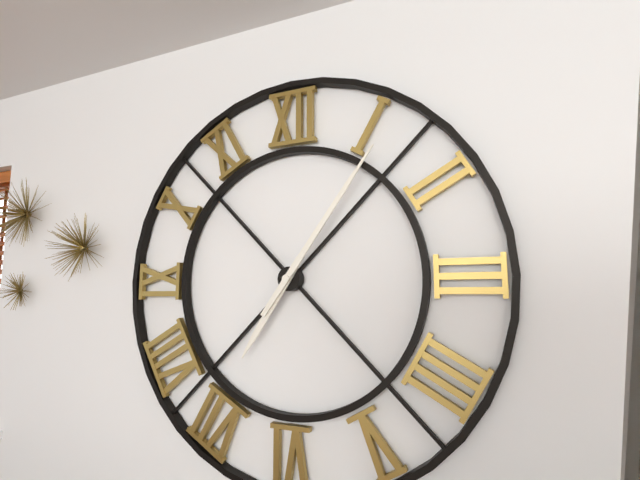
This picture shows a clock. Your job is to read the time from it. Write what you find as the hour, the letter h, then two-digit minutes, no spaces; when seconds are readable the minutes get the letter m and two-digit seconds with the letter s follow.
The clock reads 7h06
